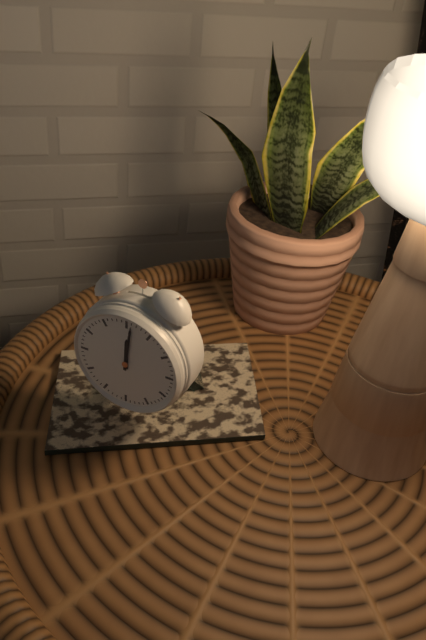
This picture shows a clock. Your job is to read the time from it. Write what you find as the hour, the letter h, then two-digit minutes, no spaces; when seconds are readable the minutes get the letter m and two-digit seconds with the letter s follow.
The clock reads 12h01
